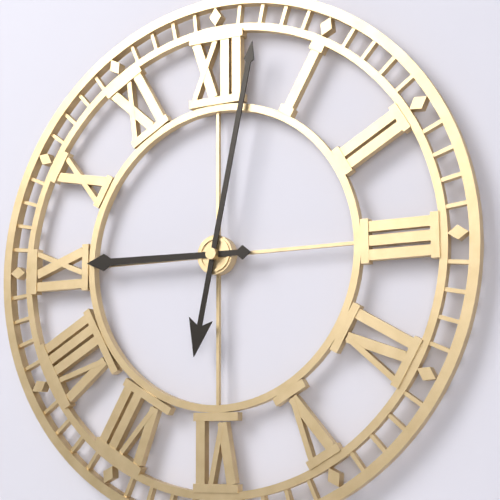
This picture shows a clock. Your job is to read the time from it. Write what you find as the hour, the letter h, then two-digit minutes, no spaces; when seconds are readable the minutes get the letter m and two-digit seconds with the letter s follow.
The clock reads 9h02
